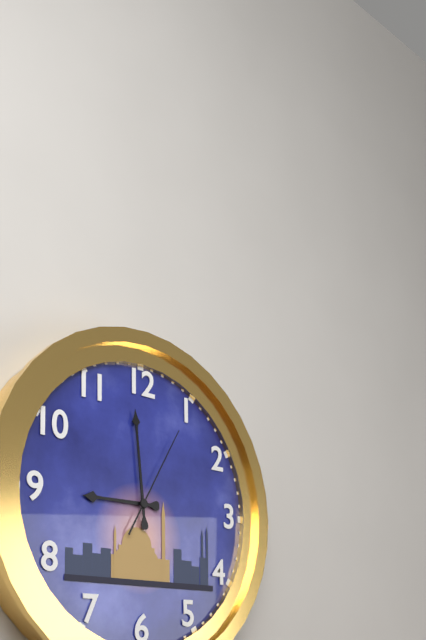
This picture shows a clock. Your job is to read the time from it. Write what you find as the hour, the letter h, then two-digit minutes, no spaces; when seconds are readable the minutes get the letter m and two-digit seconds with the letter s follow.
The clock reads 8h59m05s
